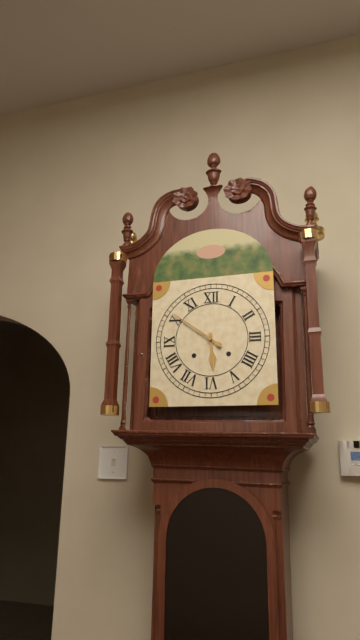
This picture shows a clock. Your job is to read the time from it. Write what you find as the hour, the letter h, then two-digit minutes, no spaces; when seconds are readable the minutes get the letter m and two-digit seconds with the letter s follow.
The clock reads 5h51
